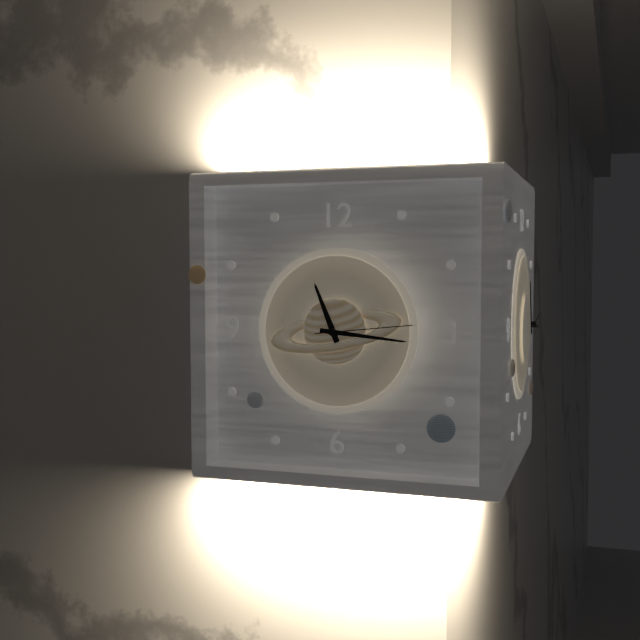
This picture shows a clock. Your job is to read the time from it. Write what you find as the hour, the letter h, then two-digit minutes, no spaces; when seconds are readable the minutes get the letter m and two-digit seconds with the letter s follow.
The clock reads 11h16m14s
